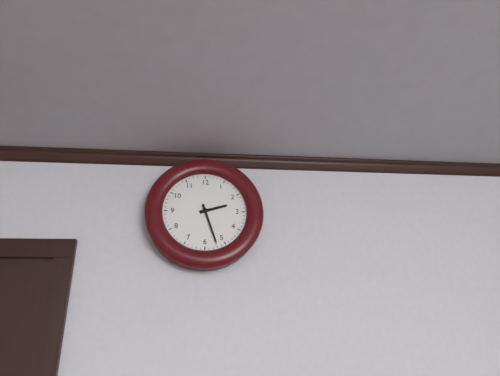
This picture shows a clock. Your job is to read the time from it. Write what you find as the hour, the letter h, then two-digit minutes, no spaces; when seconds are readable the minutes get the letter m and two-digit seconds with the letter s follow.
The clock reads 2h27
